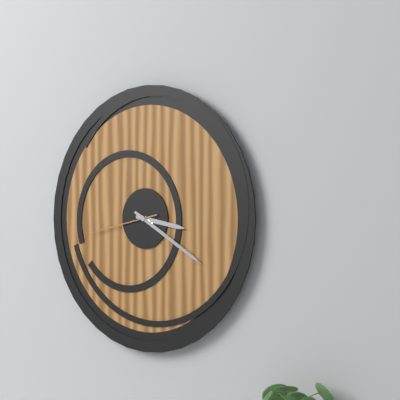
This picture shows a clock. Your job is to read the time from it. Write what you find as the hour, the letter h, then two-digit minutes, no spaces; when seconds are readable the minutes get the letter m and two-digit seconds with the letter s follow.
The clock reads 3h20m43s
